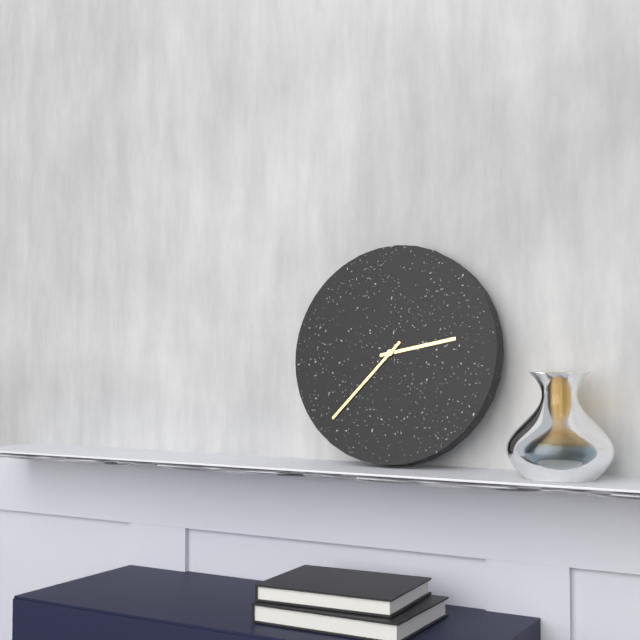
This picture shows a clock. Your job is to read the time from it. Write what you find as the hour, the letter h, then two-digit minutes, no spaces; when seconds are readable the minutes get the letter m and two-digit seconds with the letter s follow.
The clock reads 2h37
